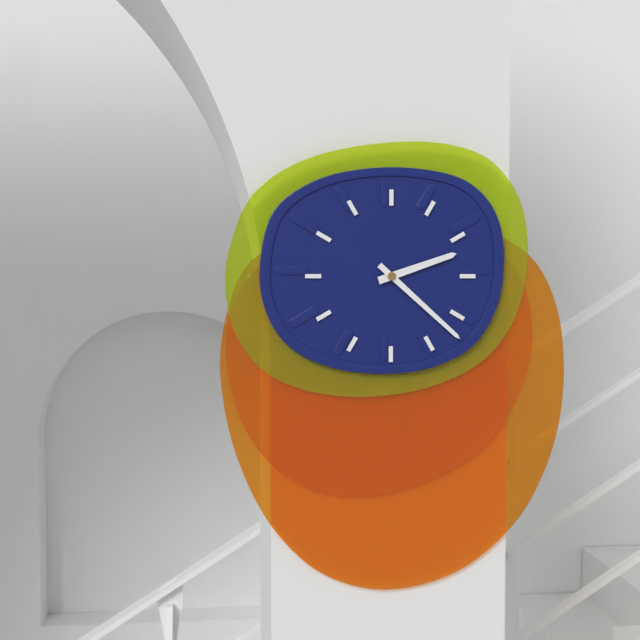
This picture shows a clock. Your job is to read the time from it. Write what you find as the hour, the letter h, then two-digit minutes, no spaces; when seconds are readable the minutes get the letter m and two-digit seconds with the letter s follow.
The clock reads 2h22
